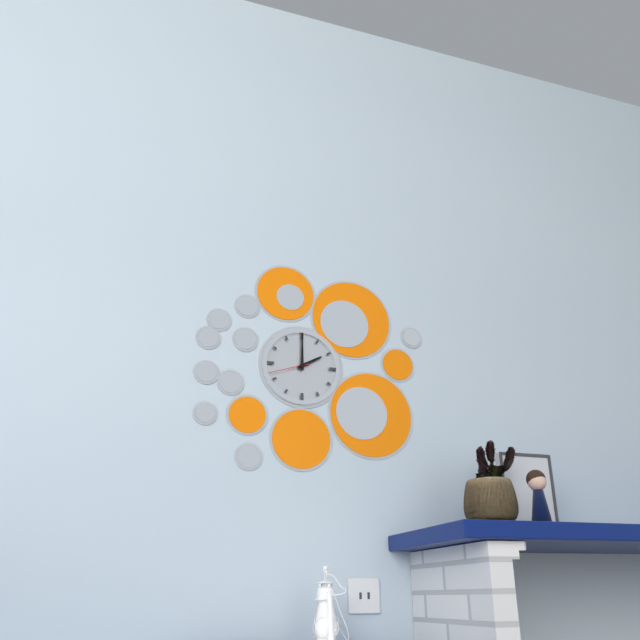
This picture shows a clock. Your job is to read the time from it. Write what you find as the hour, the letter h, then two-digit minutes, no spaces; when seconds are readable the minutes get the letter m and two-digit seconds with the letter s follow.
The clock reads 2h00
